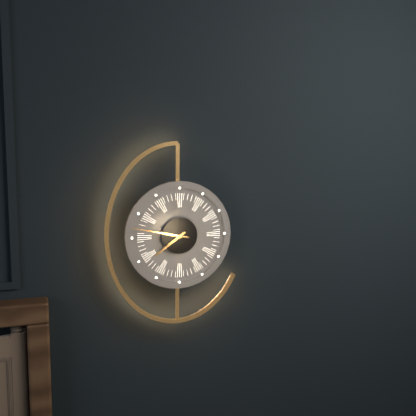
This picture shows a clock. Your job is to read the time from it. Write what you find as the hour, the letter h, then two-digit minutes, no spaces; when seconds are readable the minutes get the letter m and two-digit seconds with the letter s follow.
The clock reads 7h47
